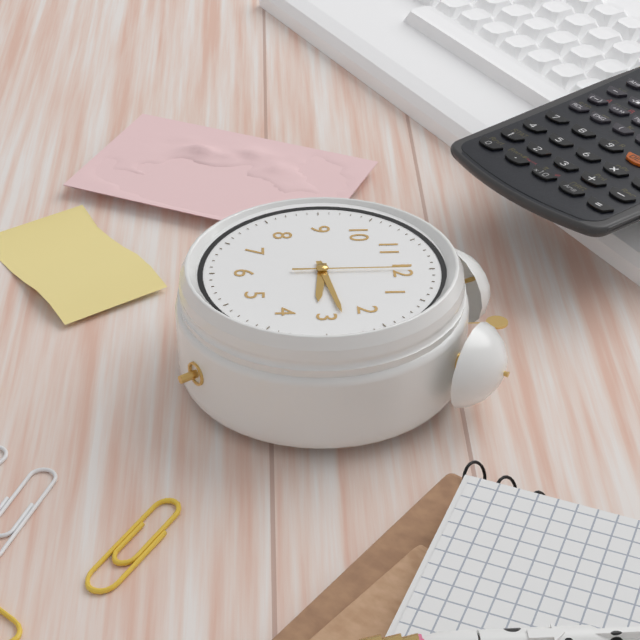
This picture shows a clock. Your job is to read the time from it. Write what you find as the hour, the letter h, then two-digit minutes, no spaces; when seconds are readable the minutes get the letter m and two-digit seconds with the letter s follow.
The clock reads 3h13m00s
